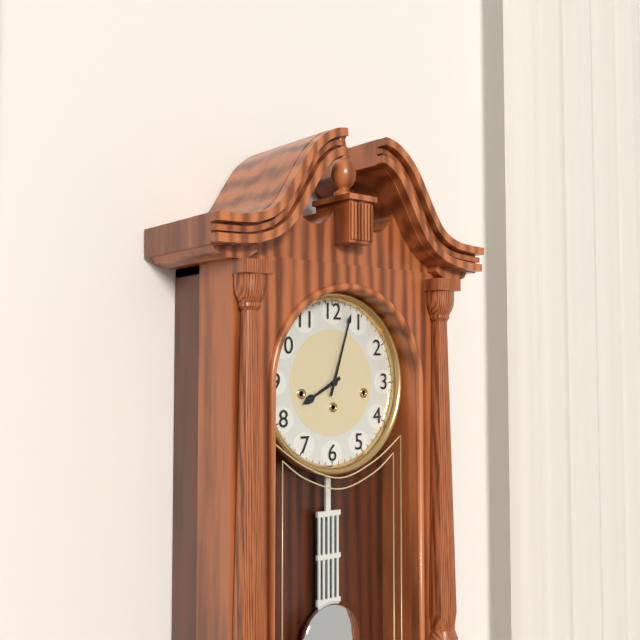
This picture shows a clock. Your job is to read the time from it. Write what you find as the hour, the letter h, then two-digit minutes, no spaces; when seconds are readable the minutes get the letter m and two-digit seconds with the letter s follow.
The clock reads 8h03
